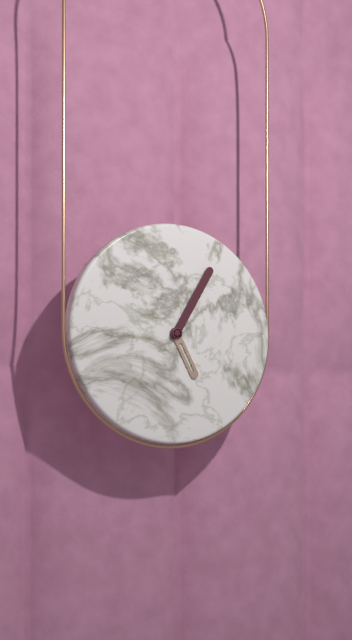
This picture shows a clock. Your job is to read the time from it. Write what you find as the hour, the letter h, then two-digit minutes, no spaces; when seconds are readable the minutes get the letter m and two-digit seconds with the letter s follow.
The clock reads 5h05
